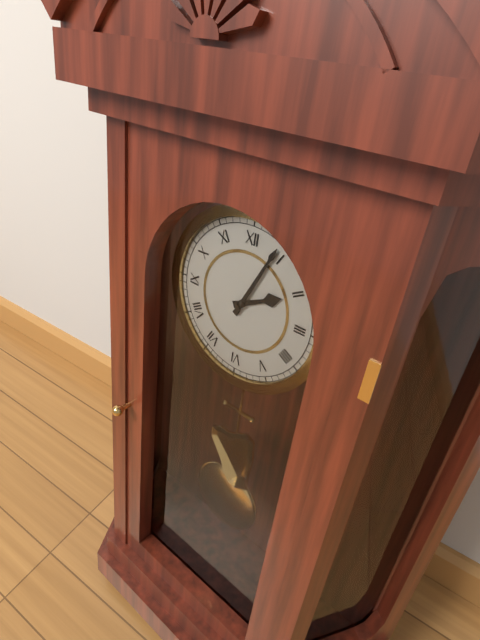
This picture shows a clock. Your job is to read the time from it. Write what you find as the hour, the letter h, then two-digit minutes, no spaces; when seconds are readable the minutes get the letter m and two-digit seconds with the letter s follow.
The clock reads 2h04
